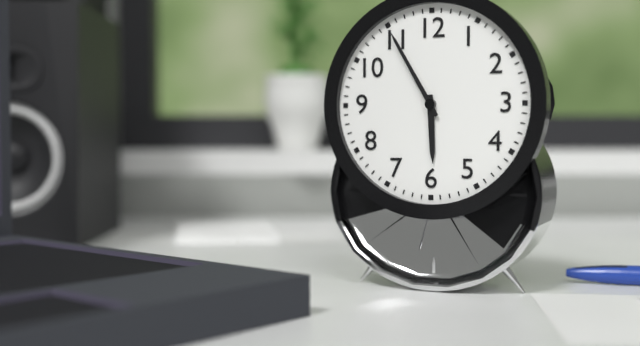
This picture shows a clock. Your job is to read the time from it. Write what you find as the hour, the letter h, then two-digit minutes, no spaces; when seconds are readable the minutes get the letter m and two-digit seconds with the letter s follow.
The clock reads 5h55
